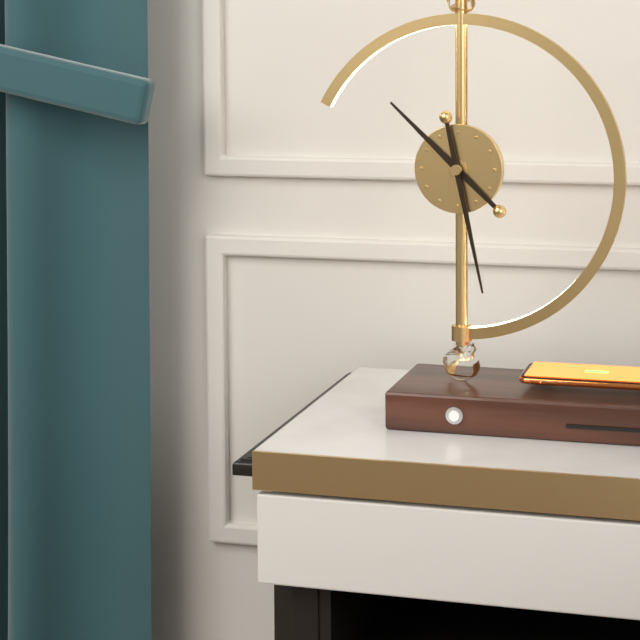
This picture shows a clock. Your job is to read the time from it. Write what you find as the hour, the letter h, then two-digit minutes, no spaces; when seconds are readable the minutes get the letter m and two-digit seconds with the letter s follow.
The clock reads 10h28
